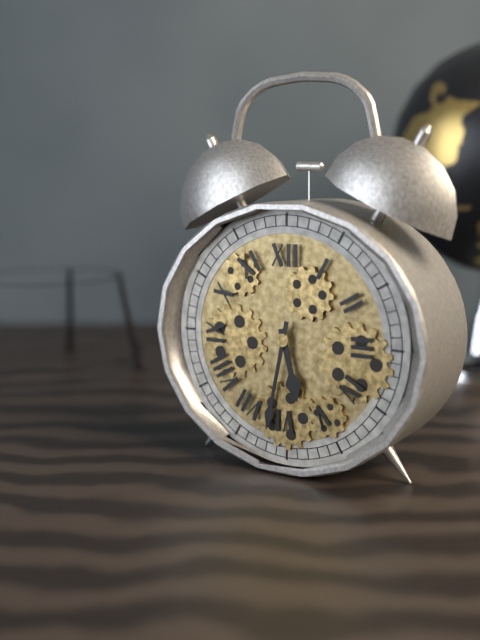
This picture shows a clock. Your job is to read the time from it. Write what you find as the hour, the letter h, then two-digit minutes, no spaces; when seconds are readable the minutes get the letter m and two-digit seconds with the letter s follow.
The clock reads 5h32
